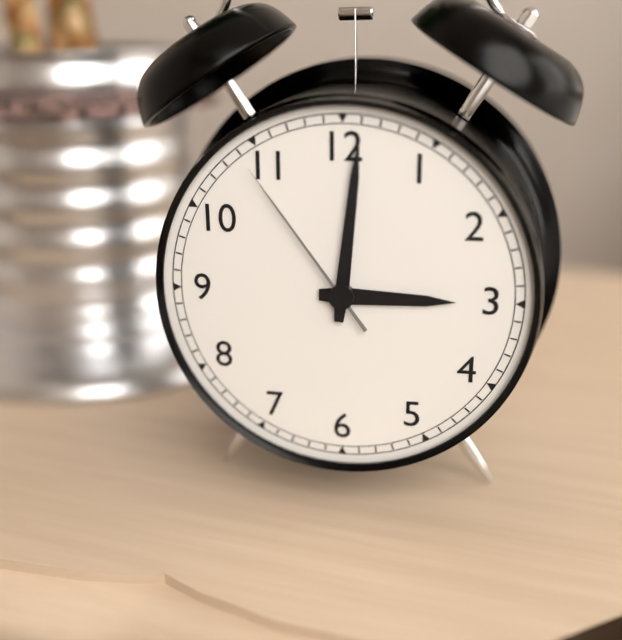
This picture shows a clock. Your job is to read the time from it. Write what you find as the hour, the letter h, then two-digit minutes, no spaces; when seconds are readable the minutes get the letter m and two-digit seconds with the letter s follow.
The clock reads 3h01m54s
